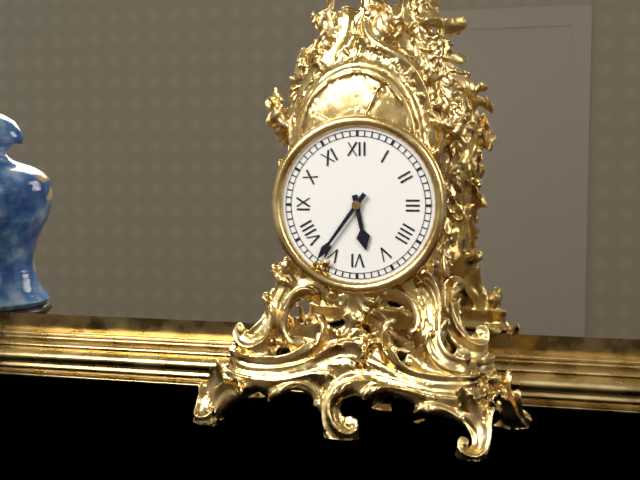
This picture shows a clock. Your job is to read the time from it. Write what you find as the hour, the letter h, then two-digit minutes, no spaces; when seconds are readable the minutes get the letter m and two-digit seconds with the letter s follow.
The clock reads 5h36
